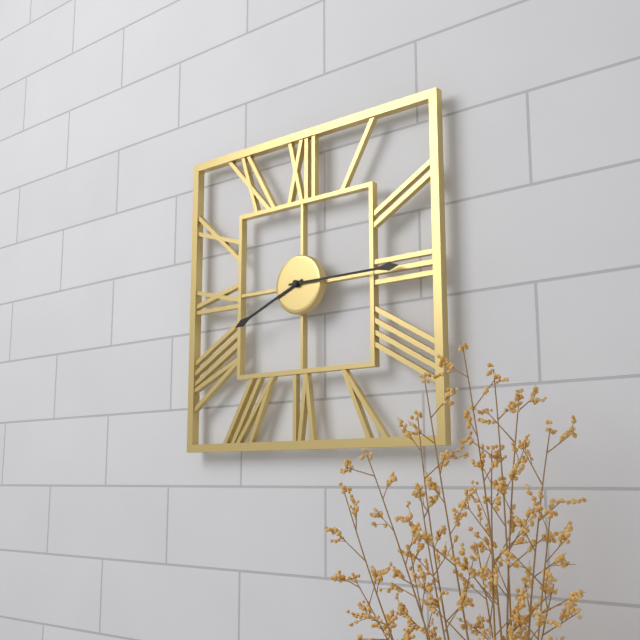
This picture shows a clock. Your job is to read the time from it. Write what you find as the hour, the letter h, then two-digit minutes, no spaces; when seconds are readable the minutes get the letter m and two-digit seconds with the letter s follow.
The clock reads 8h15
